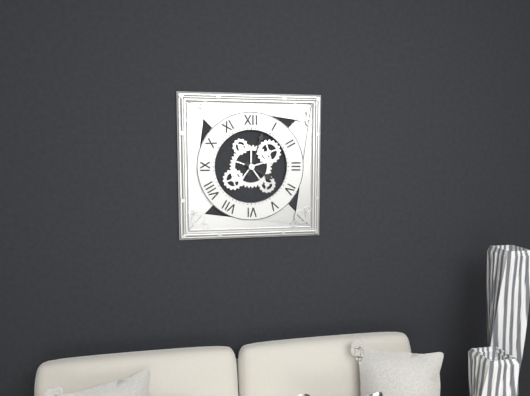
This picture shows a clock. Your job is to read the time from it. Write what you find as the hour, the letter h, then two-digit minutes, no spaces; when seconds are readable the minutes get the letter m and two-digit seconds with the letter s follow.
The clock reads 4h03
